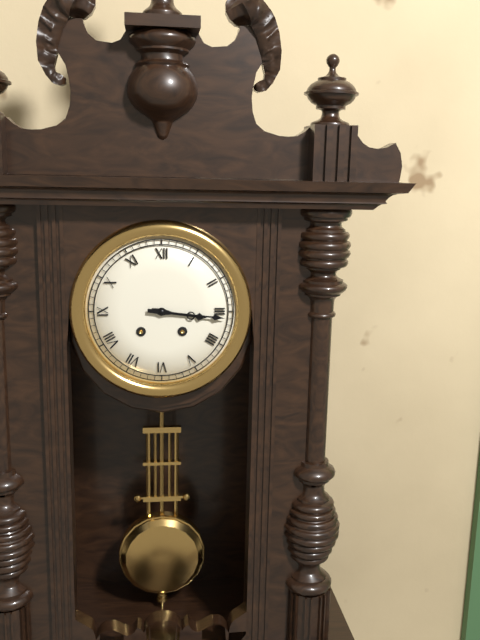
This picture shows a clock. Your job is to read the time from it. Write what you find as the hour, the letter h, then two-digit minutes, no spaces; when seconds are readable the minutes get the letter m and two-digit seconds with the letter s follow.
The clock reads 3h16
